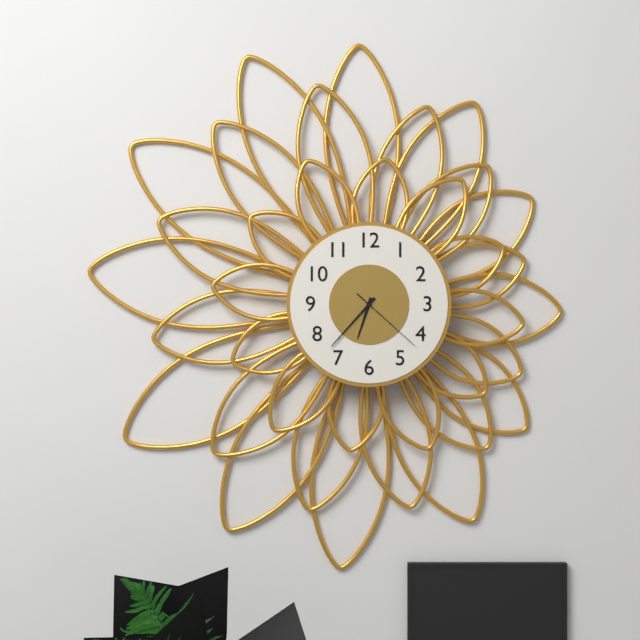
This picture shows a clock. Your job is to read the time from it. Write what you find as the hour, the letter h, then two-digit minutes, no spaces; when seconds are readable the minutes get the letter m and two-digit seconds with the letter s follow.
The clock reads 6h37m22s
